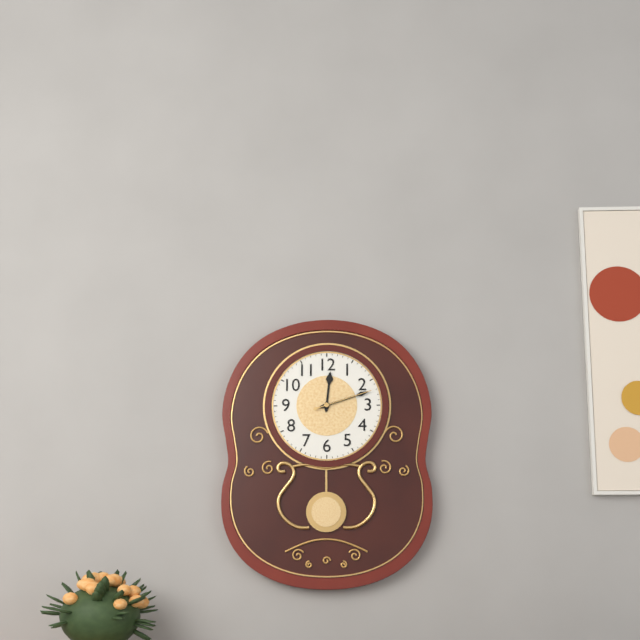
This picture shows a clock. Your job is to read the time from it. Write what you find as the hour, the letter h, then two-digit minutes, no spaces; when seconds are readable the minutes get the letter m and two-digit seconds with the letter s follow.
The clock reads 12h12m12s
